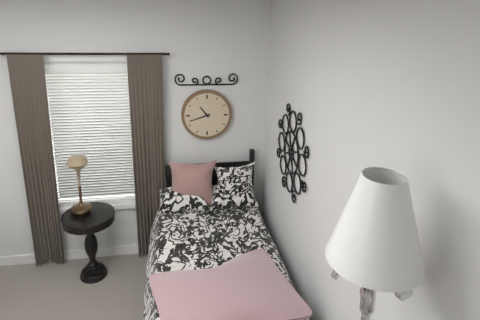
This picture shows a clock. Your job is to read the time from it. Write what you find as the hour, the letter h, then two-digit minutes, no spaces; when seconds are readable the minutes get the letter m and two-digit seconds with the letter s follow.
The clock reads 10h42
